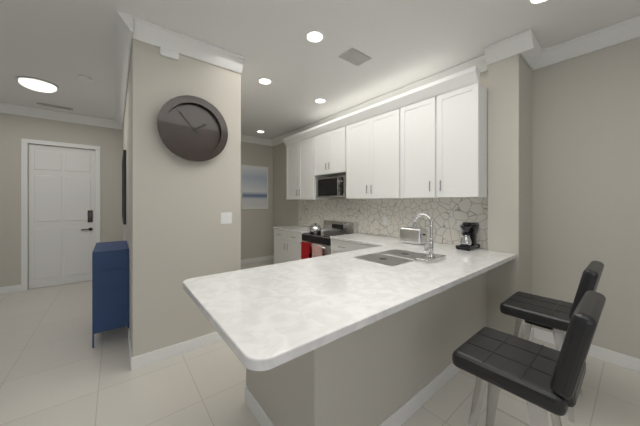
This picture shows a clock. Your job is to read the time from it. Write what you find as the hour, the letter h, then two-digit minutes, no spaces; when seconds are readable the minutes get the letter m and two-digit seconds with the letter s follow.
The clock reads 1h53
